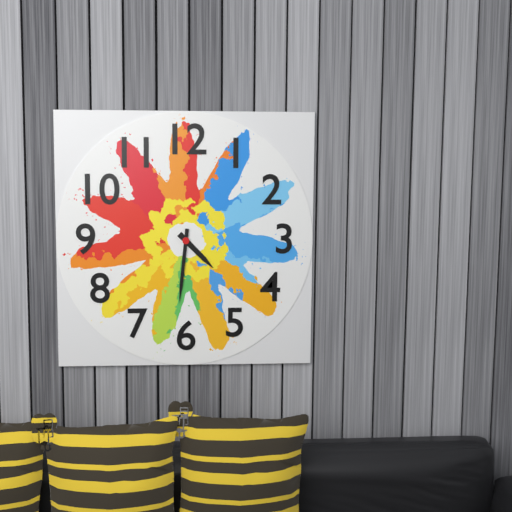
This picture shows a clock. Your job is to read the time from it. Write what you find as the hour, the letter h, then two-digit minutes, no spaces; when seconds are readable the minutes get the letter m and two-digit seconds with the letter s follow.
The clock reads 4h31
